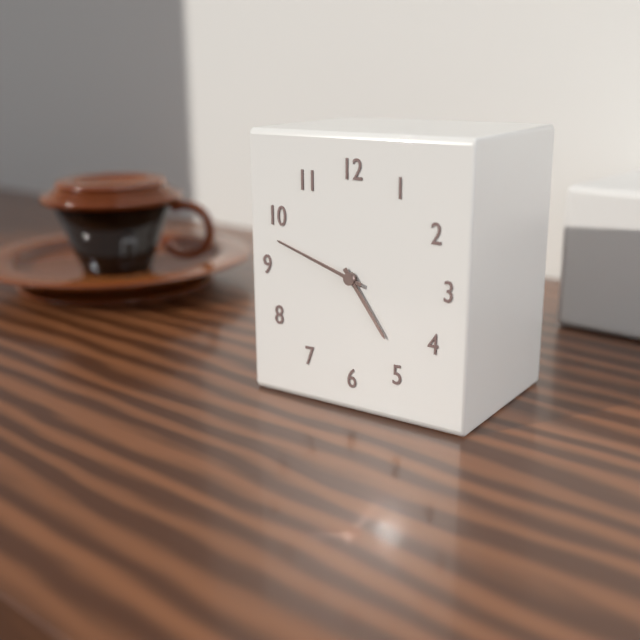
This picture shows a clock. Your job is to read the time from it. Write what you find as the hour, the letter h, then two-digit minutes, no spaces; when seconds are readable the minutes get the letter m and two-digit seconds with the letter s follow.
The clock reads 4h48
